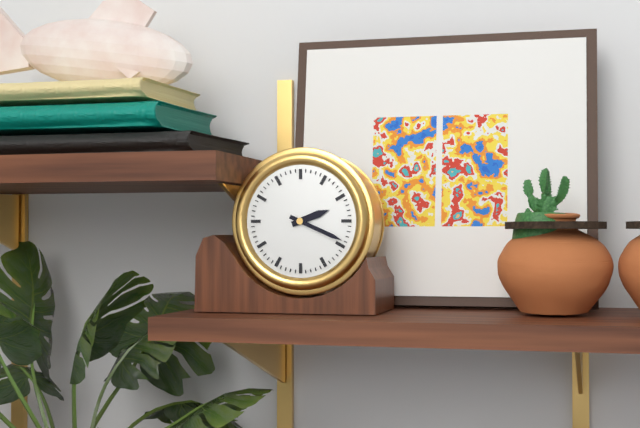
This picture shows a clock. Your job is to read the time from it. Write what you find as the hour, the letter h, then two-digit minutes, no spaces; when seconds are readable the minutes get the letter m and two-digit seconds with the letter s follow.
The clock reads 2h19
